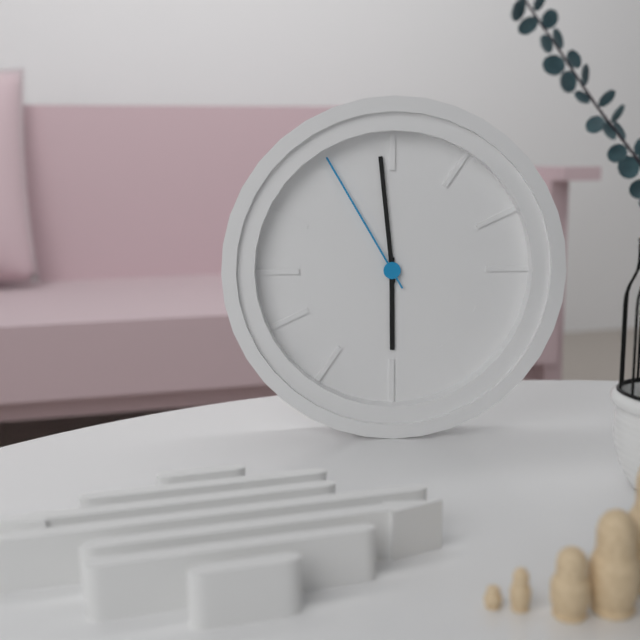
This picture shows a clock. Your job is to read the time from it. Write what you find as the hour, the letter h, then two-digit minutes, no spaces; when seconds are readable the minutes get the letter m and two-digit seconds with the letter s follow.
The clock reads 5h59m55s
